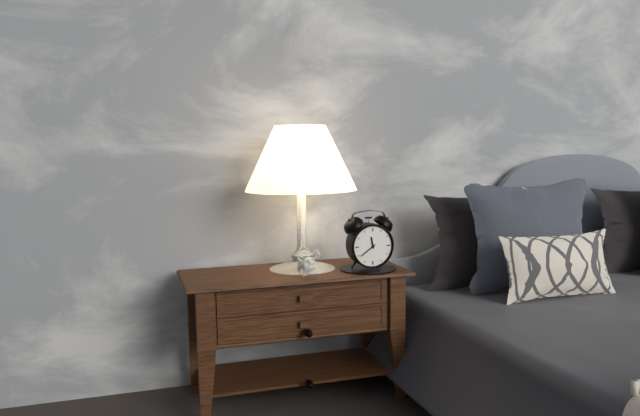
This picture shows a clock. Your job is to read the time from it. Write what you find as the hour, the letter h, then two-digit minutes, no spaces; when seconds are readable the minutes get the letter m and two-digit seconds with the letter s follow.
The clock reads 11h39
